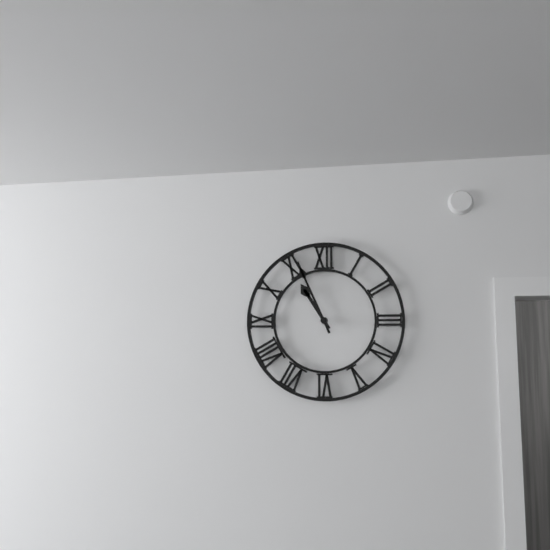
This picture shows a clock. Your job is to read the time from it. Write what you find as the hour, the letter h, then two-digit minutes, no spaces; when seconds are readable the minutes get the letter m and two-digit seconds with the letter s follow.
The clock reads 10h56
